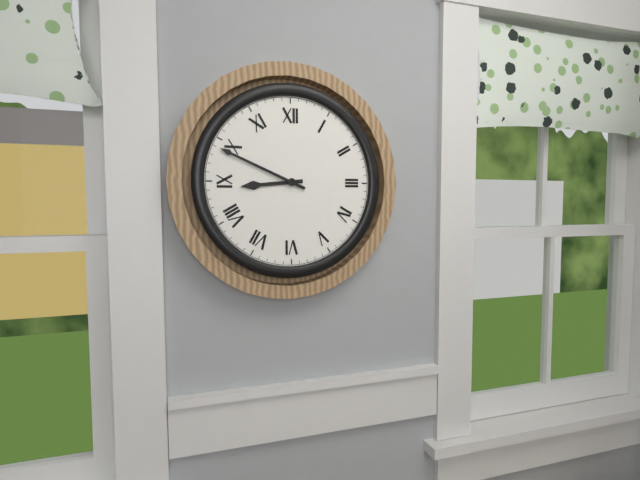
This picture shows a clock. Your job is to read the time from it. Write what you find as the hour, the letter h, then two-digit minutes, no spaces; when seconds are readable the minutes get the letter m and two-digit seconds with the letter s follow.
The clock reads 8h49
